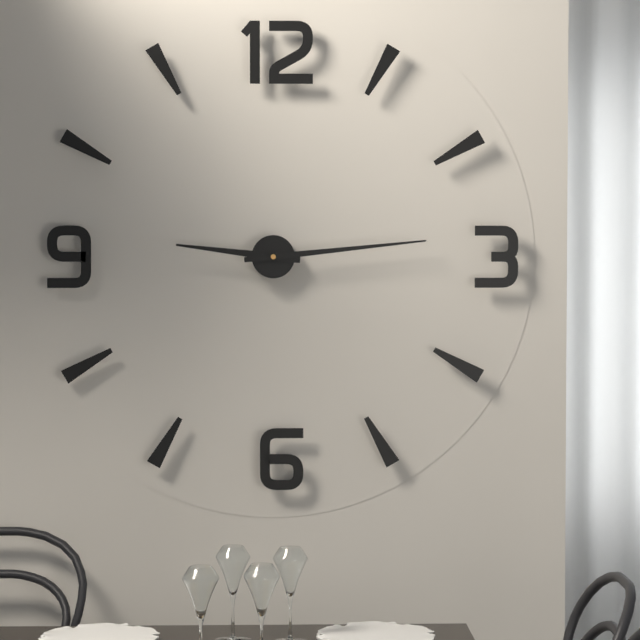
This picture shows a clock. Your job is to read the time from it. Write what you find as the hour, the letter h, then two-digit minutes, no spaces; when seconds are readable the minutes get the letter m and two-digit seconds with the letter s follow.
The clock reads 9h14
